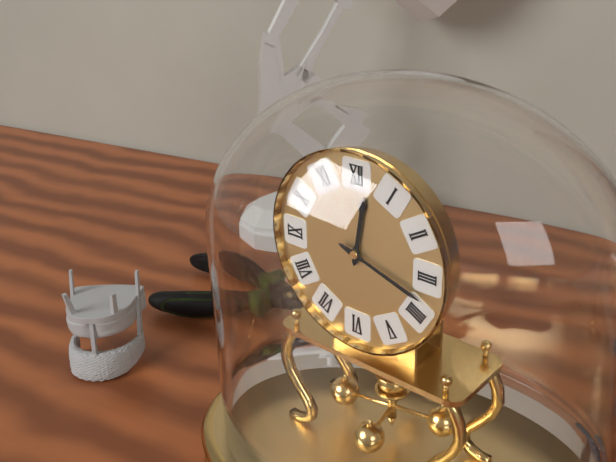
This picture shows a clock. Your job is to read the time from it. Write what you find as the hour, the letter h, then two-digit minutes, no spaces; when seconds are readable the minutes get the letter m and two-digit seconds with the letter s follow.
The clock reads 12h18
